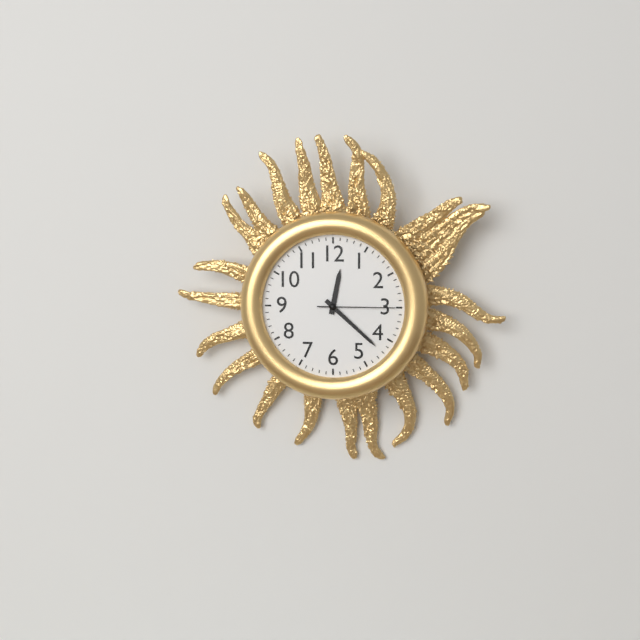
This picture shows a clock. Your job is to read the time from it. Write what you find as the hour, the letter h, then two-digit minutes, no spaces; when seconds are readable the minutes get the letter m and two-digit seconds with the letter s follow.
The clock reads 12h22m15s
